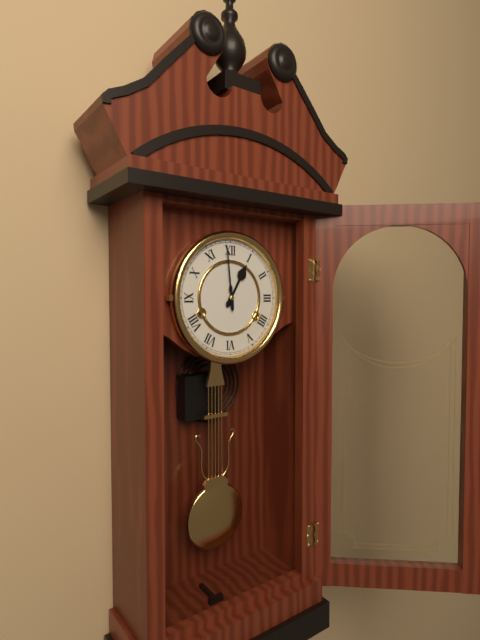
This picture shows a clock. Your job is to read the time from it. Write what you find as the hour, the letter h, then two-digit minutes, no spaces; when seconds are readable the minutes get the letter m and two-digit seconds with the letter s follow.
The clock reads 12h59
